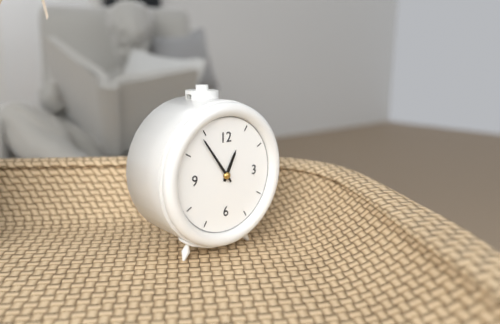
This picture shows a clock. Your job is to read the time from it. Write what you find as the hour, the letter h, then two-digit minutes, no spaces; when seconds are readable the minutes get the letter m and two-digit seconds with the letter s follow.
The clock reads 12h54
